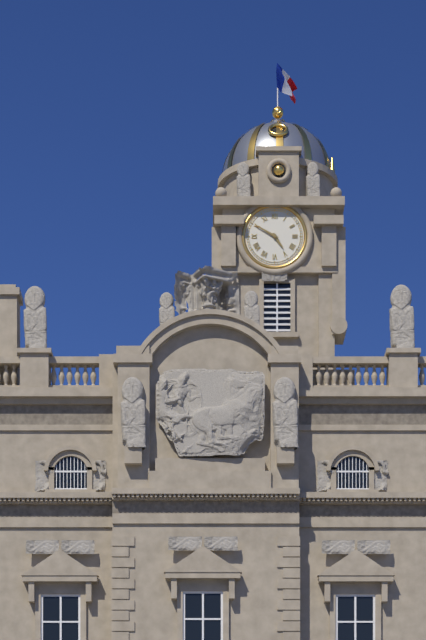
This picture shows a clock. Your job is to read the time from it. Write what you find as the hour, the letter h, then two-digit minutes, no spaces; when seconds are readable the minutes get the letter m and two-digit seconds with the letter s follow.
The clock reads 4h50
